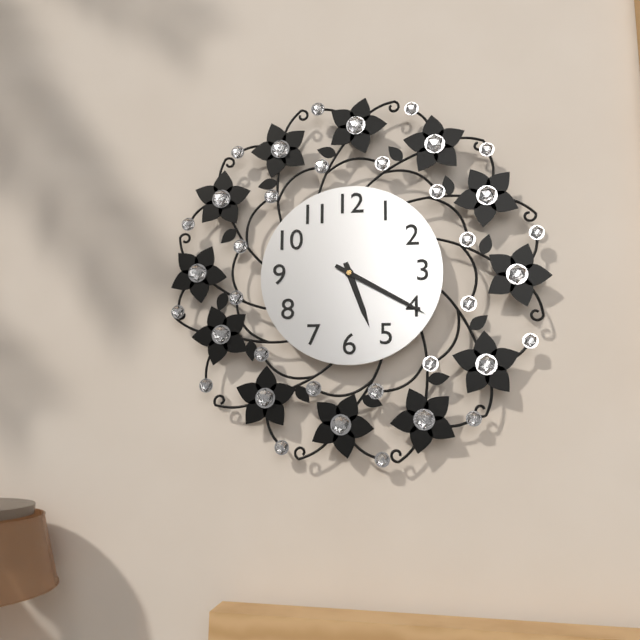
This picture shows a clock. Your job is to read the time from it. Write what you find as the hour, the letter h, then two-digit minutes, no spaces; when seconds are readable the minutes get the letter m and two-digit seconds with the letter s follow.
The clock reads 5h20
